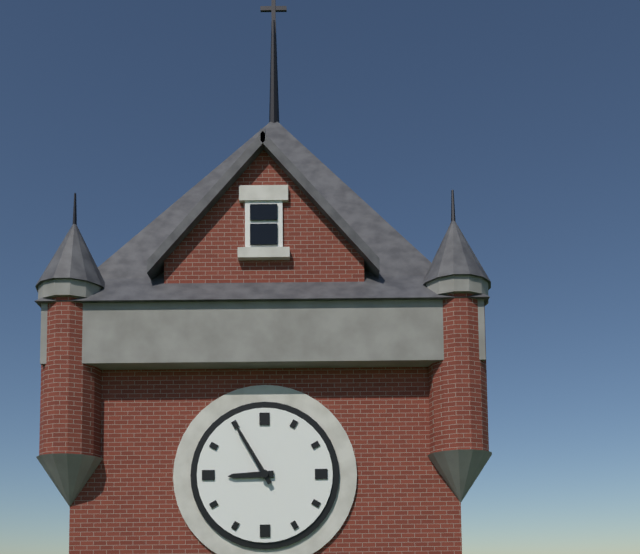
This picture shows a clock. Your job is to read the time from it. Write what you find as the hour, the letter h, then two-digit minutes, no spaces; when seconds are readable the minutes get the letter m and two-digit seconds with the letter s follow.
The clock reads 8h55
